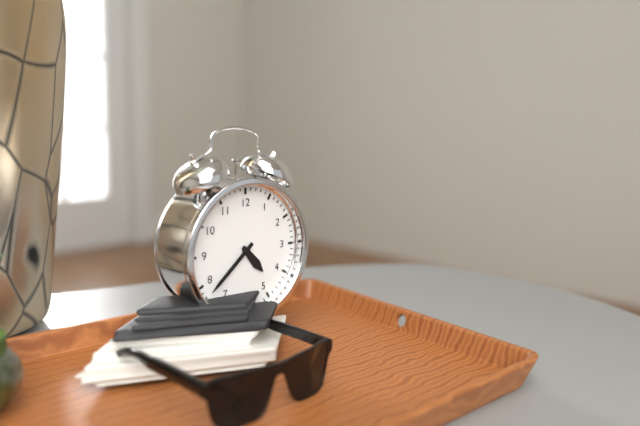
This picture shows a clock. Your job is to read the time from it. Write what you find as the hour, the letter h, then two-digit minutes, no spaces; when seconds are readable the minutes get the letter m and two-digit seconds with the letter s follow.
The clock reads 4h38
